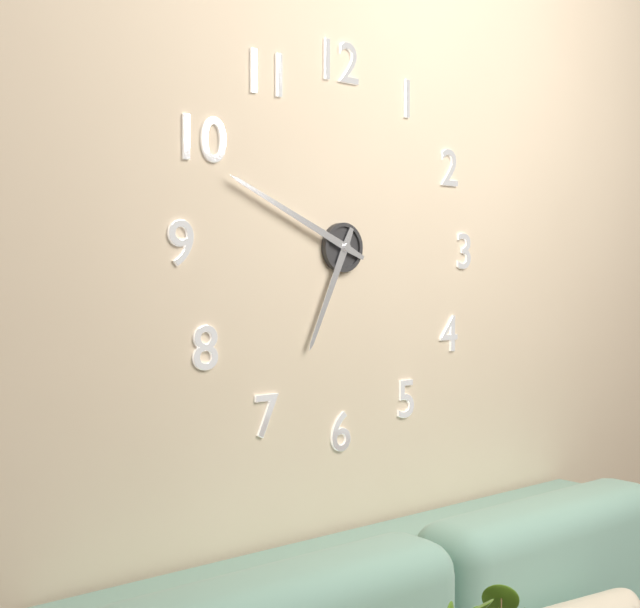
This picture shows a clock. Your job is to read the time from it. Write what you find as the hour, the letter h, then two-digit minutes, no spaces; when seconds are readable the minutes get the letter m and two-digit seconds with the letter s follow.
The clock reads 6h49
